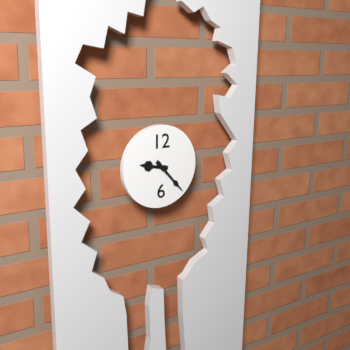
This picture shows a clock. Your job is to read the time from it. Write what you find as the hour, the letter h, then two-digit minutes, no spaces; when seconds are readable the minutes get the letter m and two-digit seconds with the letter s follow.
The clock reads 9h23
